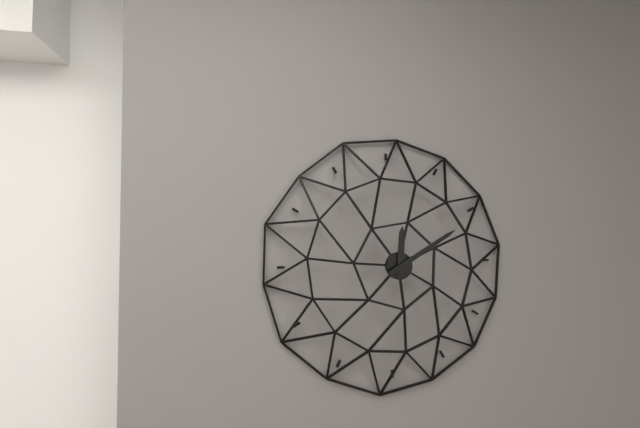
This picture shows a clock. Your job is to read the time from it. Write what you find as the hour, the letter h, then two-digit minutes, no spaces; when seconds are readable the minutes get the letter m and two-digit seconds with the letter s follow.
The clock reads 12h10
